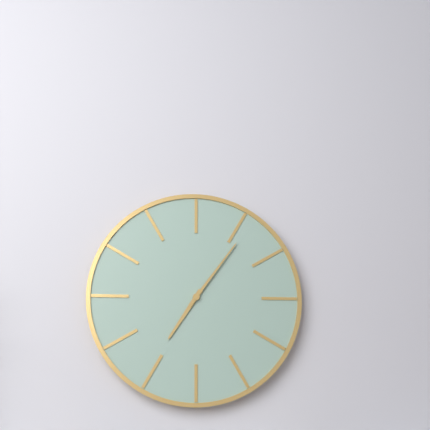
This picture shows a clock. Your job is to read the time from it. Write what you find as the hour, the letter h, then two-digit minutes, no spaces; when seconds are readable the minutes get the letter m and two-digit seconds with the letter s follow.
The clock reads 7h06
